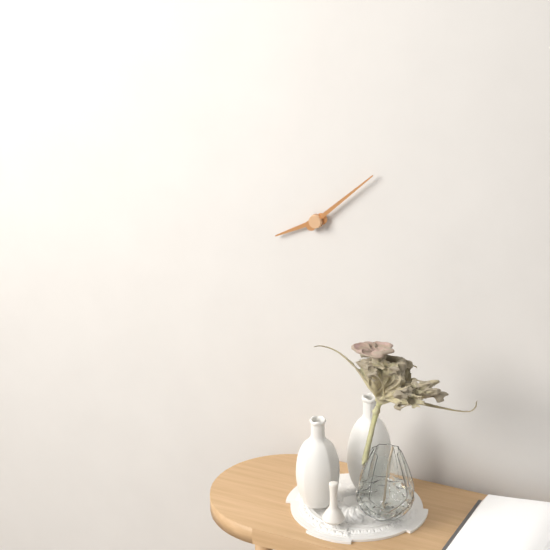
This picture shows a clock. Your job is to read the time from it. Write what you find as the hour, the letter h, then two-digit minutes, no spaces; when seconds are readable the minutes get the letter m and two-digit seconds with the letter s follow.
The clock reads 8h08
